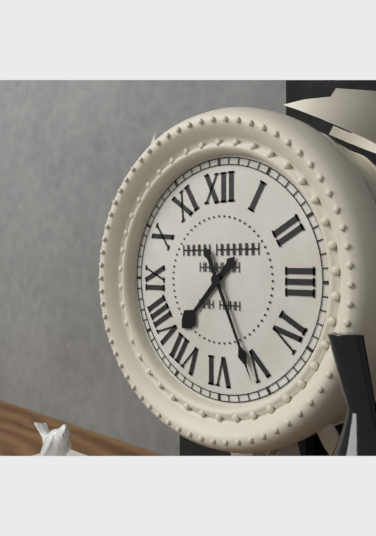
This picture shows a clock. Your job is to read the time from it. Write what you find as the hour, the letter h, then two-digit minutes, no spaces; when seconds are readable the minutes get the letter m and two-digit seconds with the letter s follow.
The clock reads 7h26
